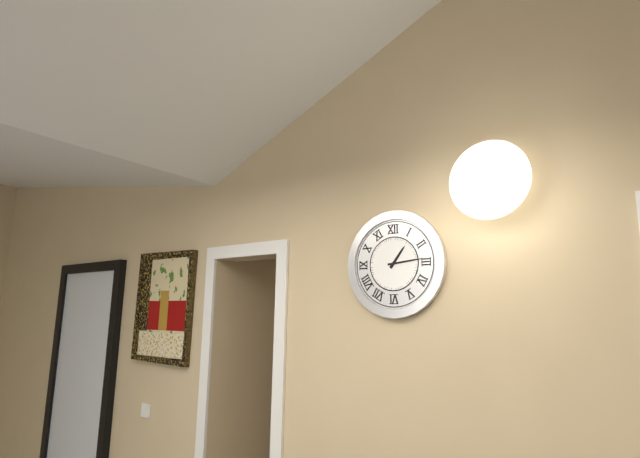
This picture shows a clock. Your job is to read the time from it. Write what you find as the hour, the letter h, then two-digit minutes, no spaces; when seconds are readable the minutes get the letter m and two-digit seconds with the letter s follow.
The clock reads 1h14
